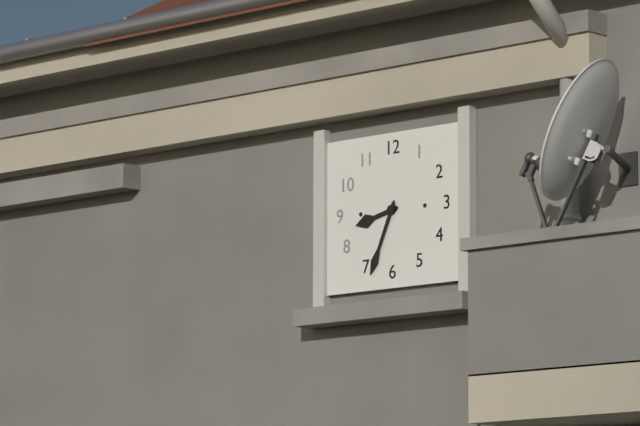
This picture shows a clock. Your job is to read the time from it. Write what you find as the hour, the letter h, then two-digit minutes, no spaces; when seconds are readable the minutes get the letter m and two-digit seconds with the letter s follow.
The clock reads 8h34
